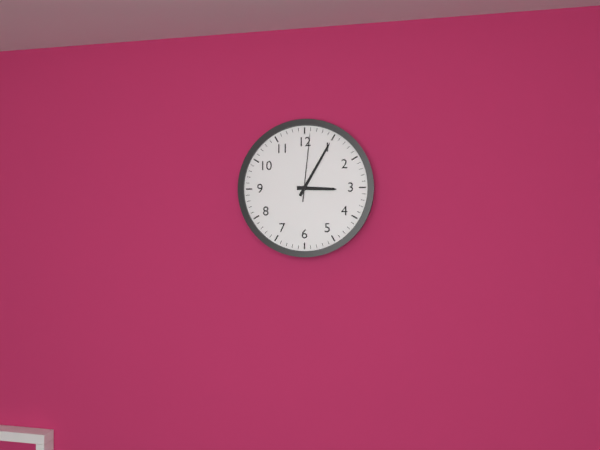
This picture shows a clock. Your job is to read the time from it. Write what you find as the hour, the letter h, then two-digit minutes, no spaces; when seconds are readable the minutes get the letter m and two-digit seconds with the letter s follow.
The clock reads 3h05m01s
